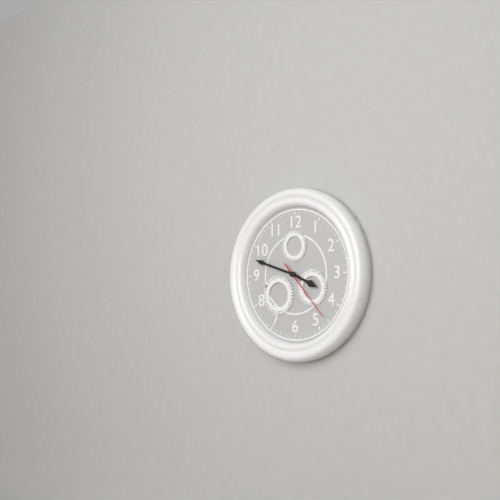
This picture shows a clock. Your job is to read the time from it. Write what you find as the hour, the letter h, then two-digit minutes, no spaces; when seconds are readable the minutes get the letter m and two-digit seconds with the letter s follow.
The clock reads 3h48m23s
